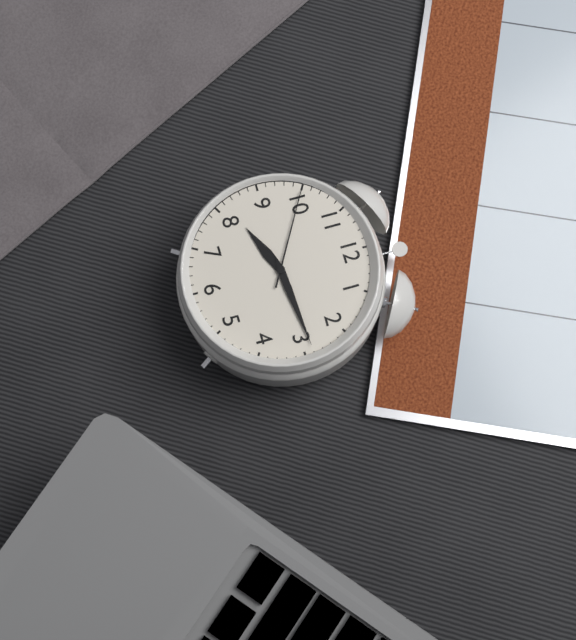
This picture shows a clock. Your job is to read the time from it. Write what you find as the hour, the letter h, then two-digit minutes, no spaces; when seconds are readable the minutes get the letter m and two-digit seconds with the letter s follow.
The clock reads 8h14m50s
